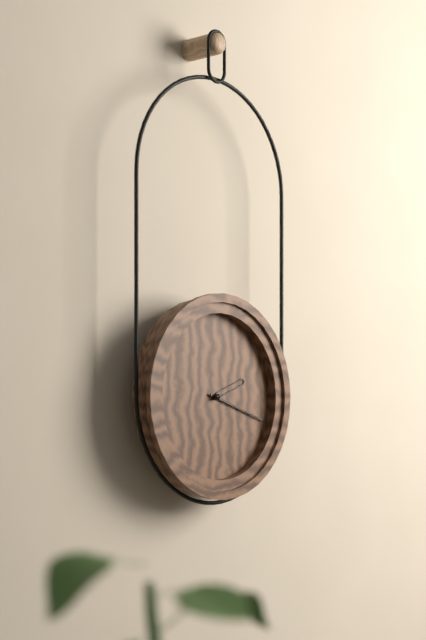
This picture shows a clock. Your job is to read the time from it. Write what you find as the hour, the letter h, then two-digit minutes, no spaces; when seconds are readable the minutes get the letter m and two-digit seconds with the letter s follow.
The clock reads 2h18
